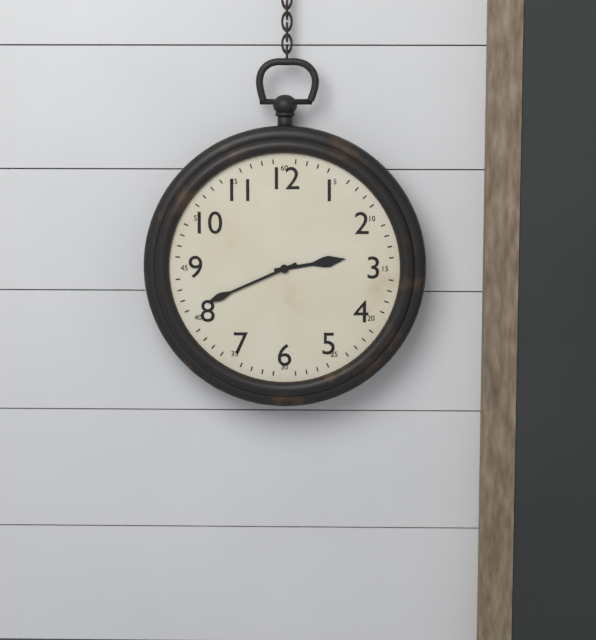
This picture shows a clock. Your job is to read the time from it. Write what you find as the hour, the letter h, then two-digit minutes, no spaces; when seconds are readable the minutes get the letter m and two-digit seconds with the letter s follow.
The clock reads 2h41
